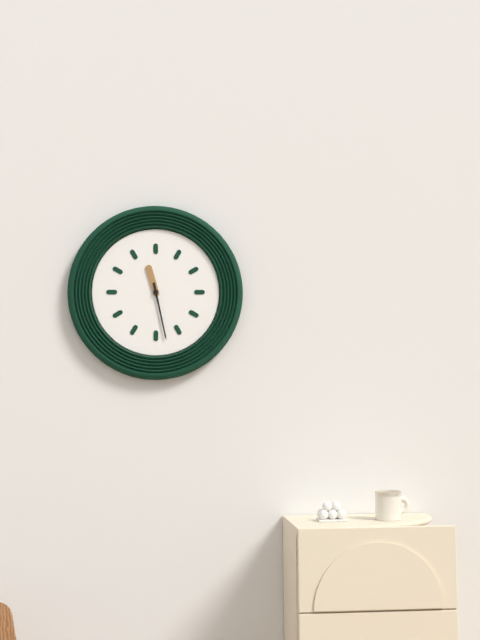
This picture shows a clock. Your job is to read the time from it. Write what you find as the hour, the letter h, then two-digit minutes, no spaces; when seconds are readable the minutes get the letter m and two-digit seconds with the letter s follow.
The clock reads 11h28
